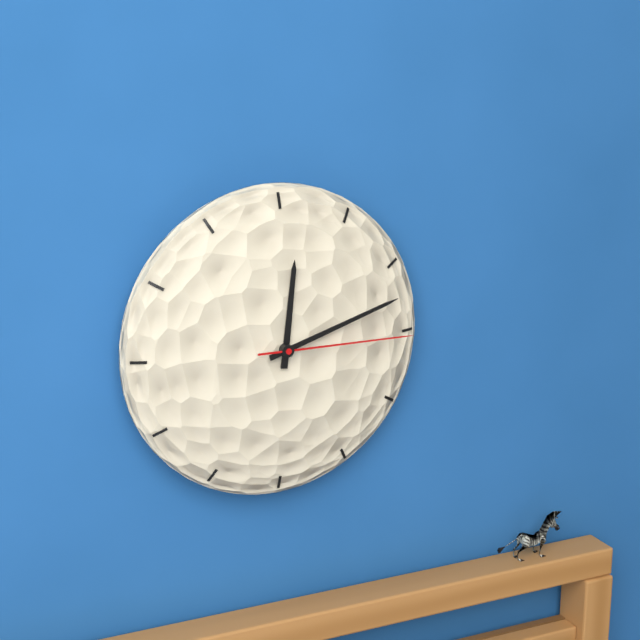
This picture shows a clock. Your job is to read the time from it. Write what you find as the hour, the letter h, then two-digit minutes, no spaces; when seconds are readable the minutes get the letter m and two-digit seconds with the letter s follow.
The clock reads 12h12m15s
